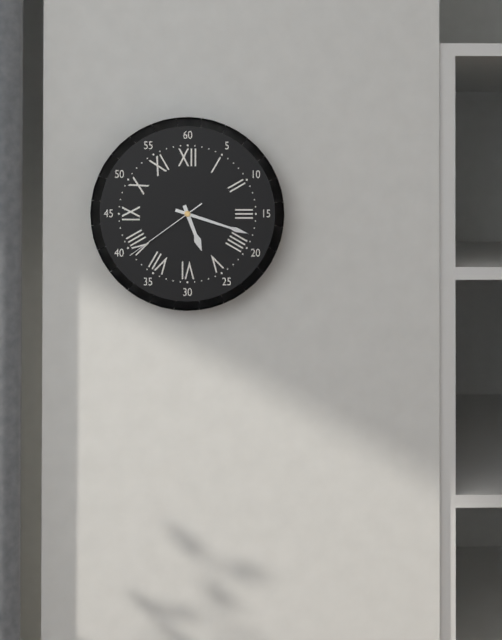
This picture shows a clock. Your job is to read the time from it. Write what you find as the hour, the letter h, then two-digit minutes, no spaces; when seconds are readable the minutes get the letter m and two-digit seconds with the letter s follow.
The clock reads 5h18m39s
